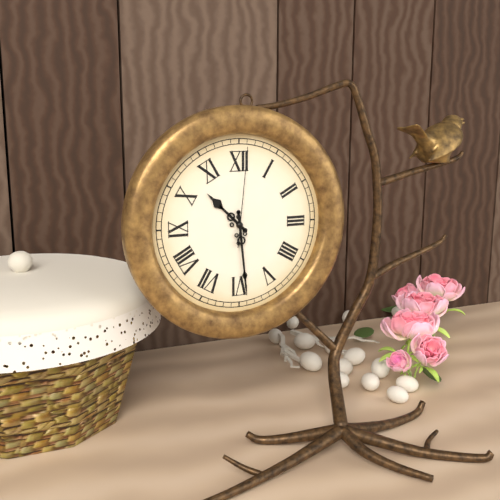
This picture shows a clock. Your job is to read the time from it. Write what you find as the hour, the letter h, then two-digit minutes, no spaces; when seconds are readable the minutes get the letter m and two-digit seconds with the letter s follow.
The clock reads 10h29m01s
